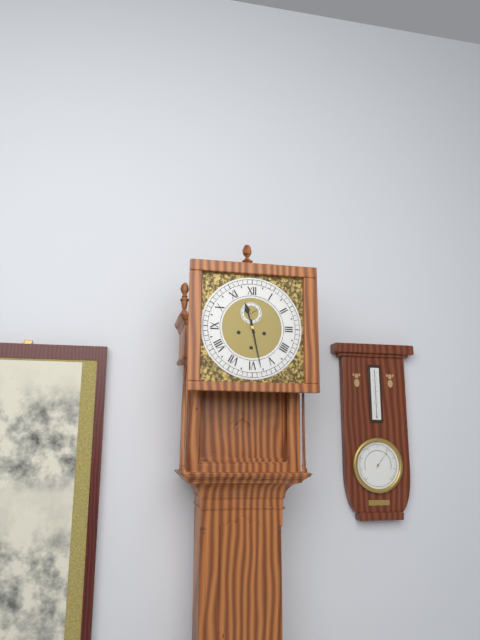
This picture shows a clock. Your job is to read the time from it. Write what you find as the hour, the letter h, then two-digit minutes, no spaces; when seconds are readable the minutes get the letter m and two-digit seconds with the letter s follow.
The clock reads 11h28
